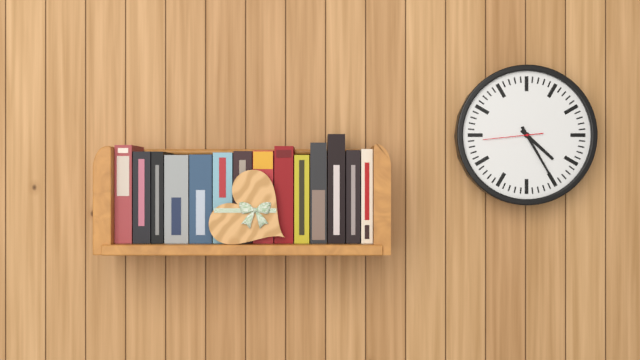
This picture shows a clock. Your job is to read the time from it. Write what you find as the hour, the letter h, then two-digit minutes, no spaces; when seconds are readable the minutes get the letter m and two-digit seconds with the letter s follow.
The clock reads 4h25m44s
